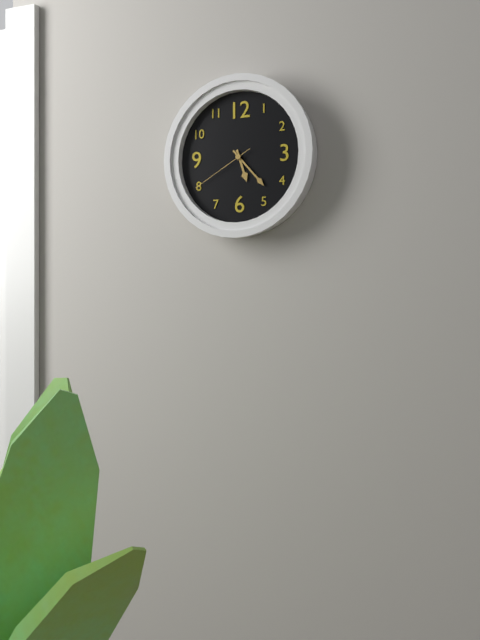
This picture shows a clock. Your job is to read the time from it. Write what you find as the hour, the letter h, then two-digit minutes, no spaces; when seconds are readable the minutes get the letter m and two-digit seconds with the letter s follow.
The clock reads 5h23m40s
